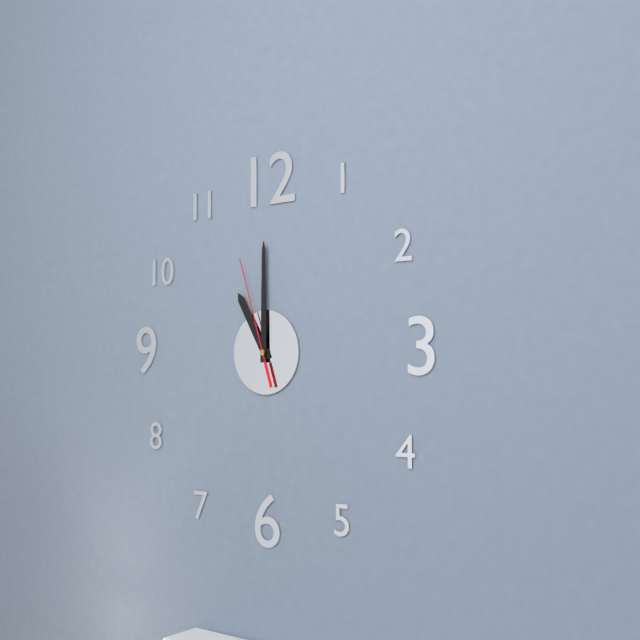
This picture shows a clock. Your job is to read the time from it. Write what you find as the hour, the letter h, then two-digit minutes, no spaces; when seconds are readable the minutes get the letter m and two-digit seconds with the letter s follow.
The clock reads 11h00m57s
